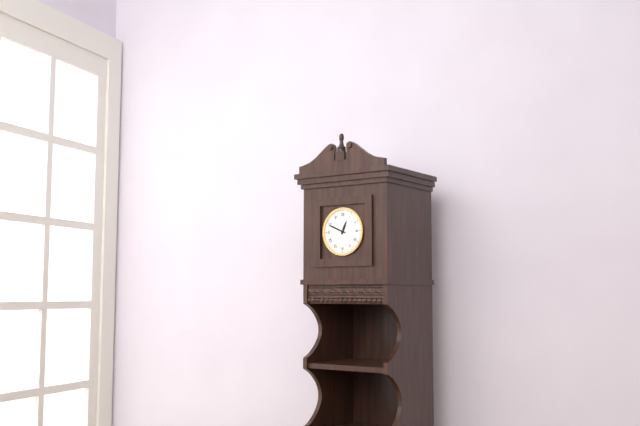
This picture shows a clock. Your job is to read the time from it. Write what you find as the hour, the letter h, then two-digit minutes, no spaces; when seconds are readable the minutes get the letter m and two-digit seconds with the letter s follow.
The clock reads 12h49
